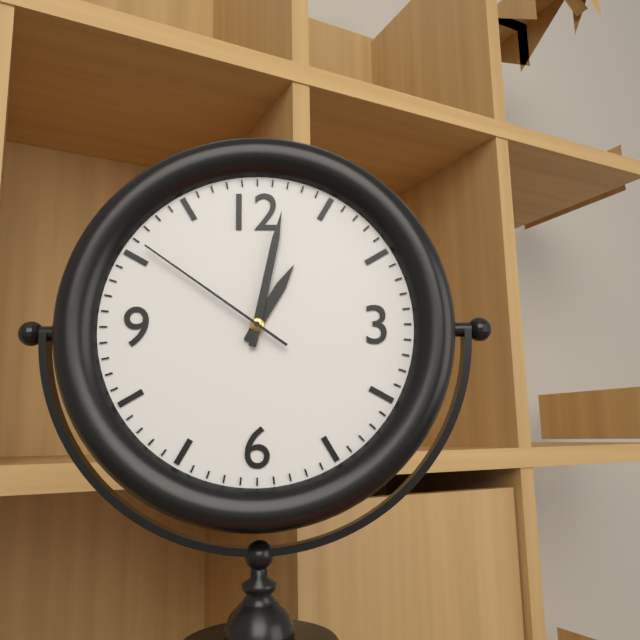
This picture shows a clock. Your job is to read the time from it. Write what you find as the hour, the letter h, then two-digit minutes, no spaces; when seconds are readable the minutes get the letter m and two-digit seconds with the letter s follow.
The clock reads 1h02m51s
